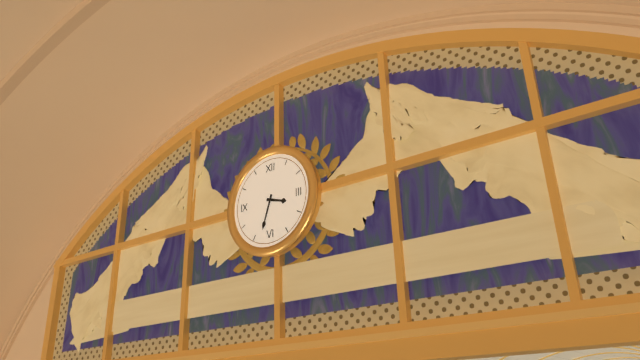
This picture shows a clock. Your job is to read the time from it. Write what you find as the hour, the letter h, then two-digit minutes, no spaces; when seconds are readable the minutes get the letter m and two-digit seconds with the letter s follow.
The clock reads 3h33
